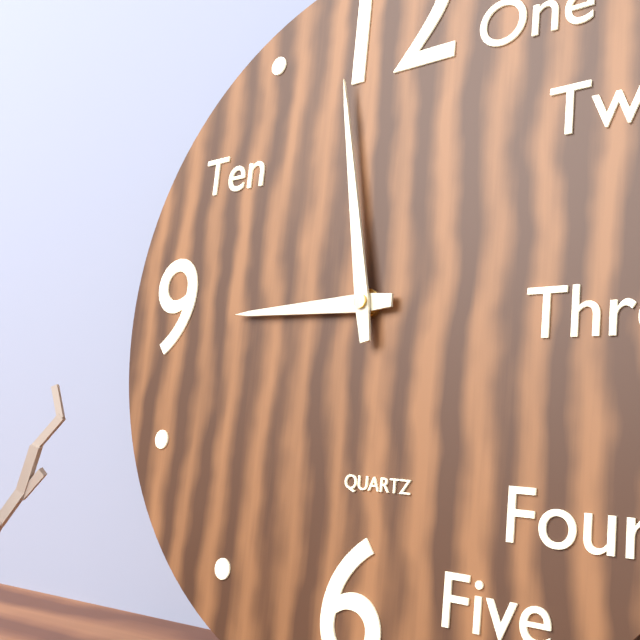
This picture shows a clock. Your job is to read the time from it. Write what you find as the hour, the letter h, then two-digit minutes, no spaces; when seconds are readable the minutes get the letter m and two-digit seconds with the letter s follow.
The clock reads 8h58
